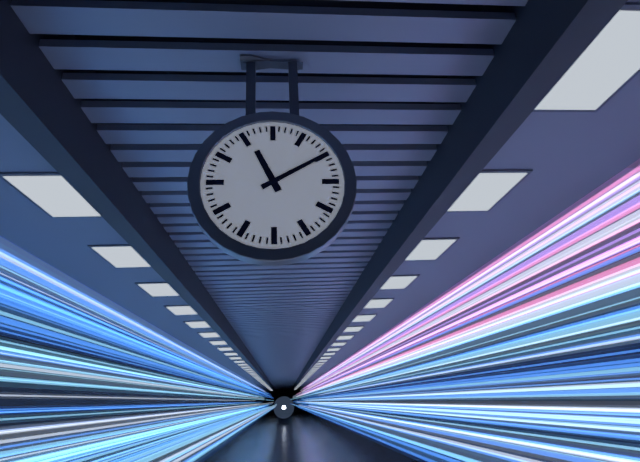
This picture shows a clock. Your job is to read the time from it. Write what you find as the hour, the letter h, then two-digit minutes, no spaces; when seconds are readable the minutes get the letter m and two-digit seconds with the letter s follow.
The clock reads 11h10
